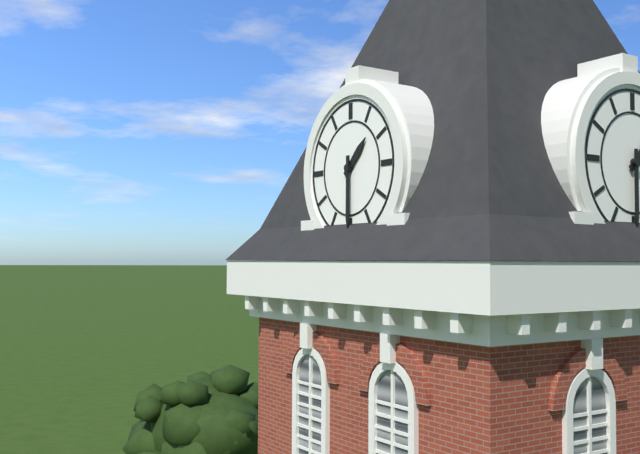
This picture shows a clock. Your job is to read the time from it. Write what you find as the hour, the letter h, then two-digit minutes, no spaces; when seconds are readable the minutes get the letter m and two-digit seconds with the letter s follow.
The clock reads 1h30
